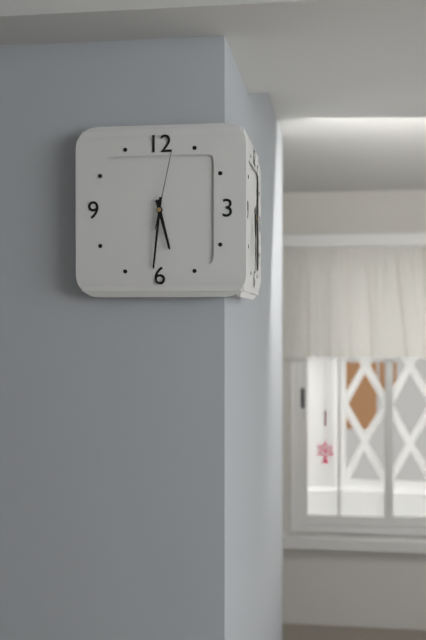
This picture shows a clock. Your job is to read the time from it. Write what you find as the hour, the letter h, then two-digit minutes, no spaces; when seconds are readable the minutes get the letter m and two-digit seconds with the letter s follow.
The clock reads 5h31m02s
